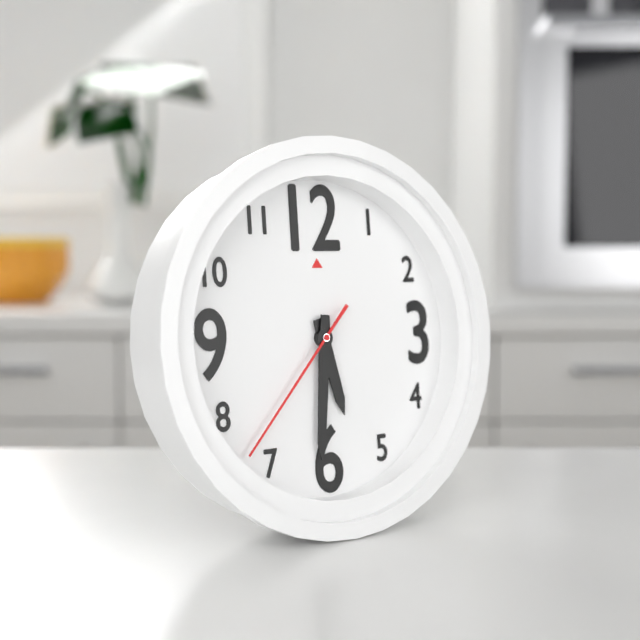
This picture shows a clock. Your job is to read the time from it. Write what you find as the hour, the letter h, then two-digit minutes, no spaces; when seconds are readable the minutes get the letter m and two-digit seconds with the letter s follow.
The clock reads 5h31m37s
